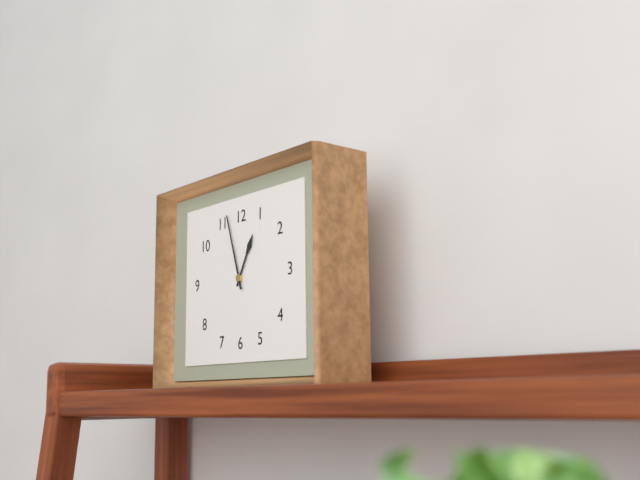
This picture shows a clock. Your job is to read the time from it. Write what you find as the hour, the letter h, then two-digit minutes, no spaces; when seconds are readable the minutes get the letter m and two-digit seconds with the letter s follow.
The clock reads 12h57
